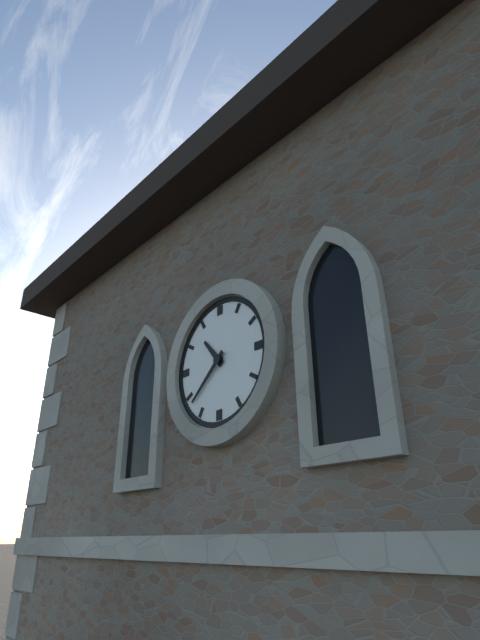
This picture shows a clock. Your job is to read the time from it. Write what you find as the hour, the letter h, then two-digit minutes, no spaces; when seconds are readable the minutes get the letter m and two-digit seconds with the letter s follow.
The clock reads 10h38
